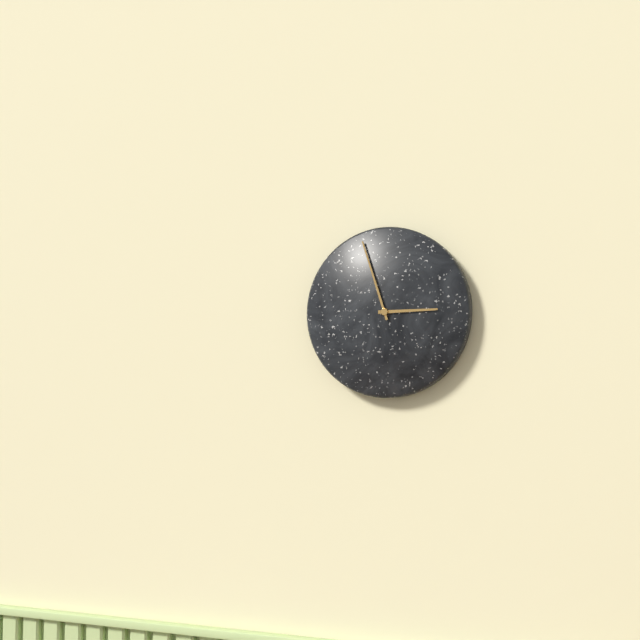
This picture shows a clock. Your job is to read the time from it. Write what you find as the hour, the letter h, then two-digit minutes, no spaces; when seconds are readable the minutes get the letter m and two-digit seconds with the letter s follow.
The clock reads 2h57
